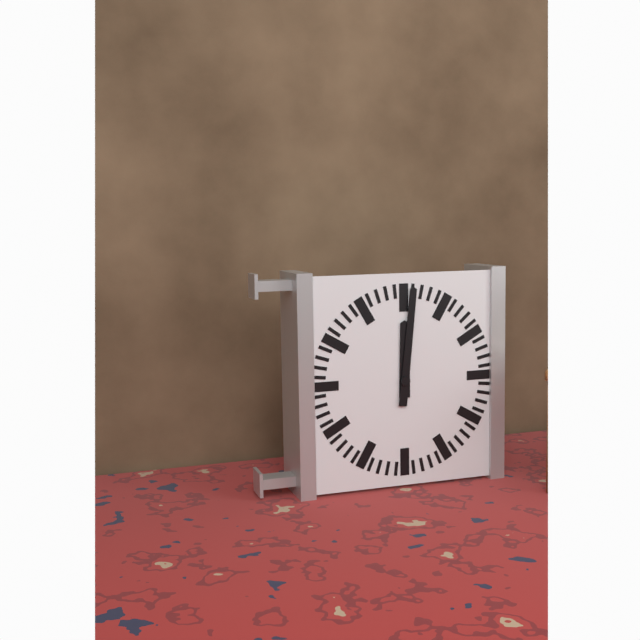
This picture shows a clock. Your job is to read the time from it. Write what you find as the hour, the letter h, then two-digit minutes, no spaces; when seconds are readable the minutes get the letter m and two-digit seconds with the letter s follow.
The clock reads 12h01
